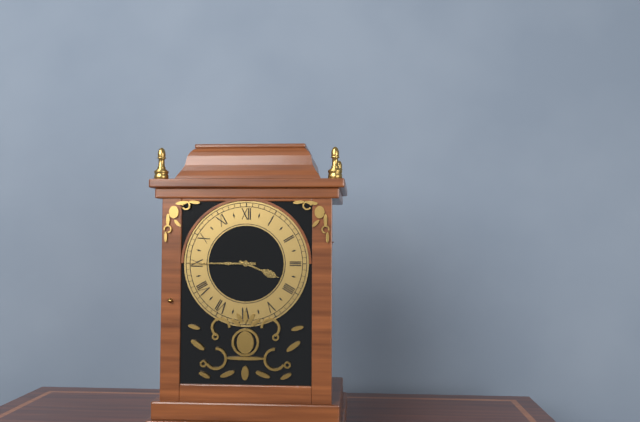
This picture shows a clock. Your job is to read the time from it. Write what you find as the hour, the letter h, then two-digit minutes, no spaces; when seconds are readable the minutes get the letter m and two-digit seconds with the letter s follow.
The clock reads 3h45
